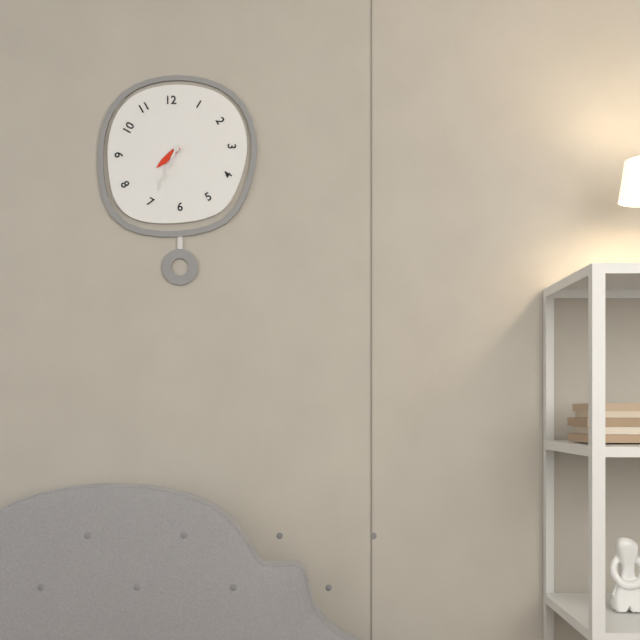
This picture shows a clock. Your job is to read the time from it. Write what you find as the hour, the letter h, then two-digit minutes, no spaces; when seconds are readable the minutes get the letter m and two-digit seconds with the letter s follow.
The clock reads 7h34
